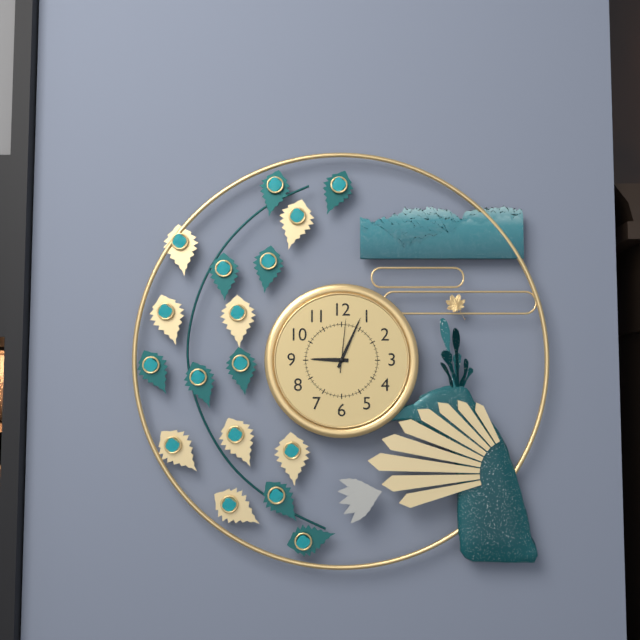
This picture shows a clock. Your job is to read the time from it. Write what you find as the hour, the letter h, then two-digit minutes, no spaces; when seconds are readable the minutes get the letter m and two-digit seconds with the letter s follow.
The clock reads 9h04m01s
